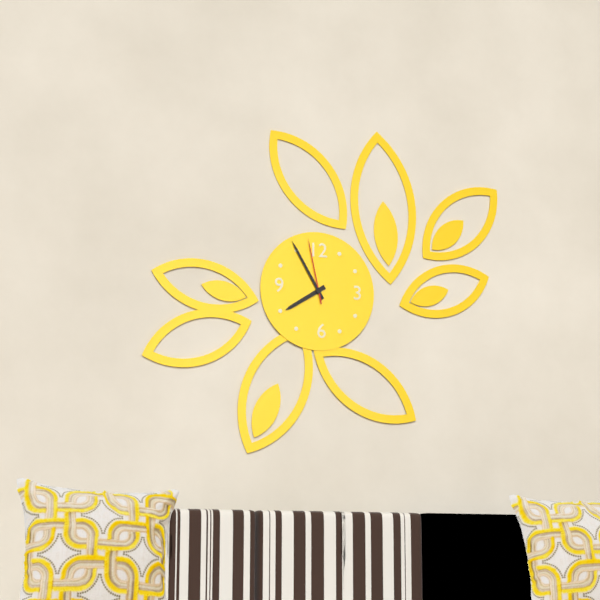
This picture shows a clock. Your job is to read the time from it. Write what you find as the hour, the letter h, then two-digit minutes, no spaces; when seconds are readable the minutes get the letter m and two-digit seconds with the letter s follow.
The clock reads 7h55m58s
